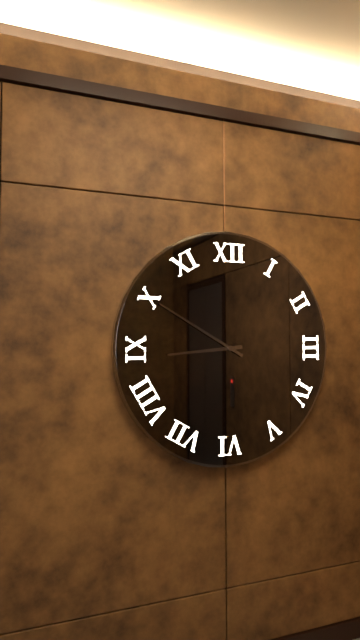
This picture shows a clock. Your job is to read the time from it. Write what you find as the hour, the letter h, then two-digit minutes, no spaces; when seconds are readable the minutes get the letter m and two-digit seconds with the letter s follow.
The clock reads 8h50
